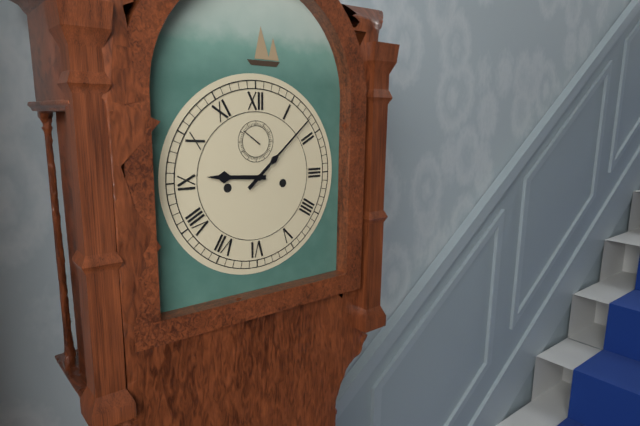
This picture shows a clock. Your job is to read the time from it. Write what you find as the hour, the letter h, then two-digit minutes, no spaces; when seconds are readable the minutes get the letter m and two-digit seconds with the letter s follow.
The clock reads 9h08
